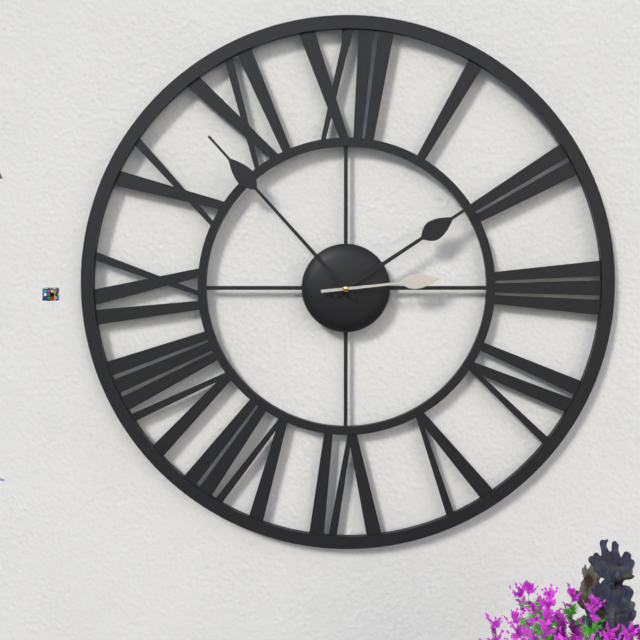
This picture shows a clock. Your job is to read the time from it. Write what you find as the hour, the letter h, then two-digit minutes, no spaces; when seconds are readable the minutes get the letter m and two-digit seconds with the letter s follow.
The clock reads 1h53m14s
